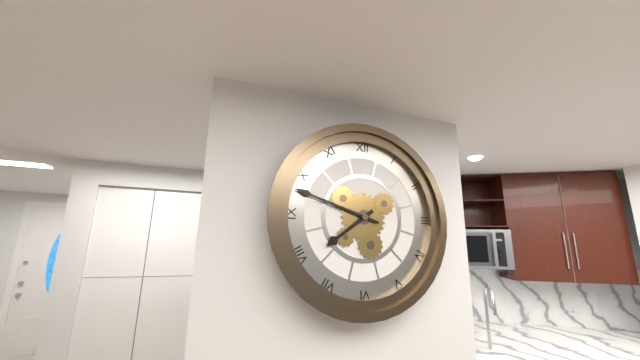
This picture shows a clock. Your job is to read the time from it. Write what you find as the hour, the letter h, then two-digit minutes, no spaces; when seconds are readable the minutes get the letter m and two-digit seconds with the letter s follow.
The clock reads 7h48
